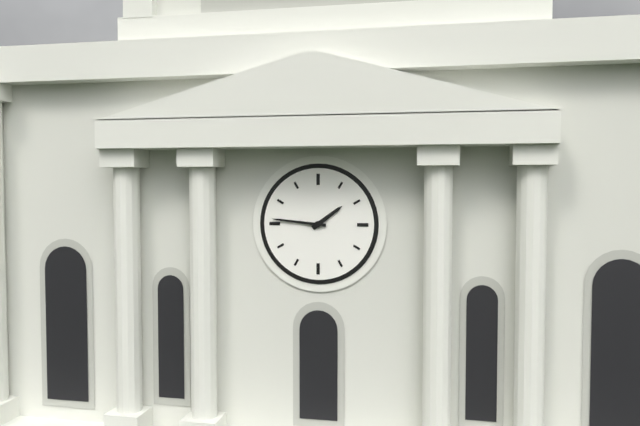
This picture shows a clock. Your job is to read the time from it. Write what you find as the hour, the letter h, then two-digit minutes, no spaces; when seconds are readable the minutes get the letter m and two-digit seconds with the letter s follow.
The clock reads 1h46
